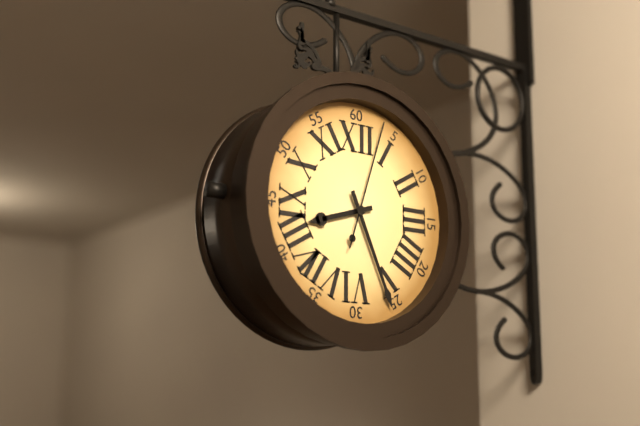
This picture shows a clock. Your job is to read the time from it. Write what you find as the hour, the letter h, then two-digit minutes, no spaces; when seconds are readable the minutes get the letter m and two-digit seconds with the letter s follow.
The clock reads 8h26m03s
